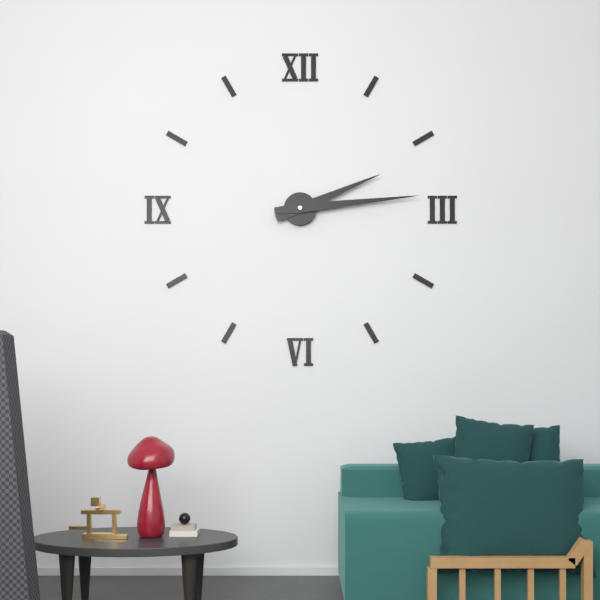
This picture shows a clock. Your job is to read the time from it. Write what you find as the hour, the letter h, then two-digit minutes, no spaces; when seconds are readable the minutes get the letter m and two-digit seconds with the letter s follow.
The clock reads 2h14
